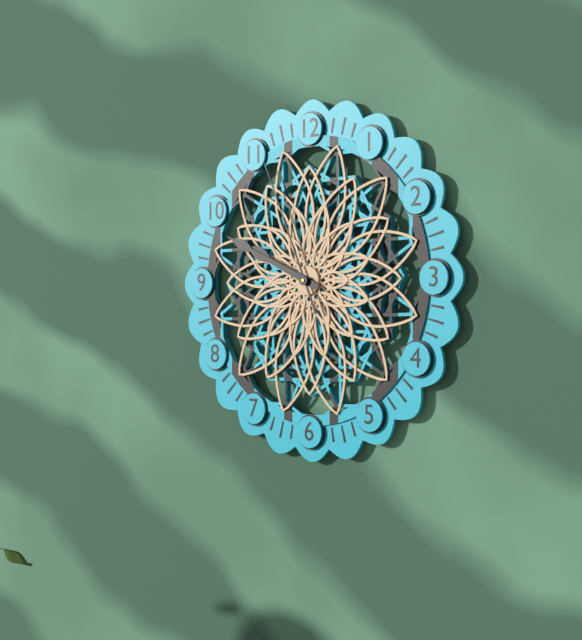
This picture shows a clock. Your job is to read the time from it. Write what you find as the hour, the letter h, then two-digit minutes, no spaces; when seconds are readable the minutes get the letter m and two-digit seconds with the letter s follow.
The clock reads 9h49m56s
